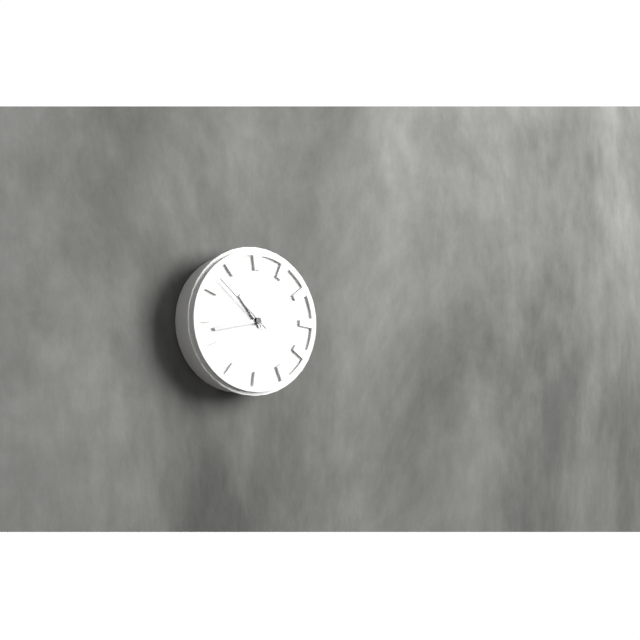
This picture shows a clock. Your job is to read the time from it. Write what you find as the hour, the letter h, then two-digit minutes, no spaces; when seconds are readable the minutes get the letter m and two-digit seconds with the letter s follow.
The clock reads 10h43m52s
